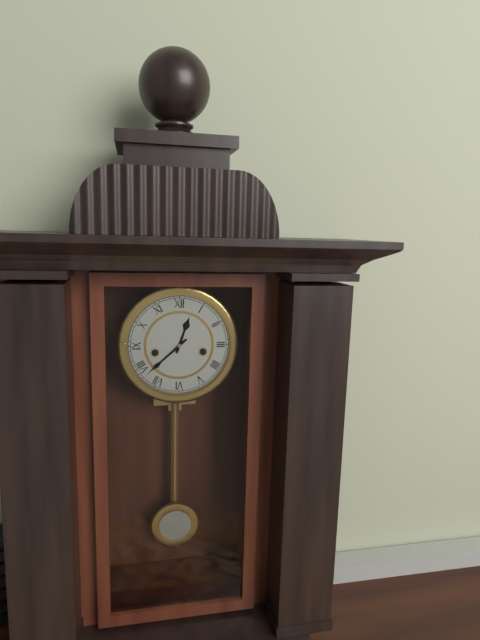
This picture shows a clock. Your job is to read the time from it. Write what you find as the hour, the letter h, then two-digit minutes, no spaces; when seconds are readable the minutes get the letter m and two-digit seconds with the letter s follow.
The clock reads 12h38
